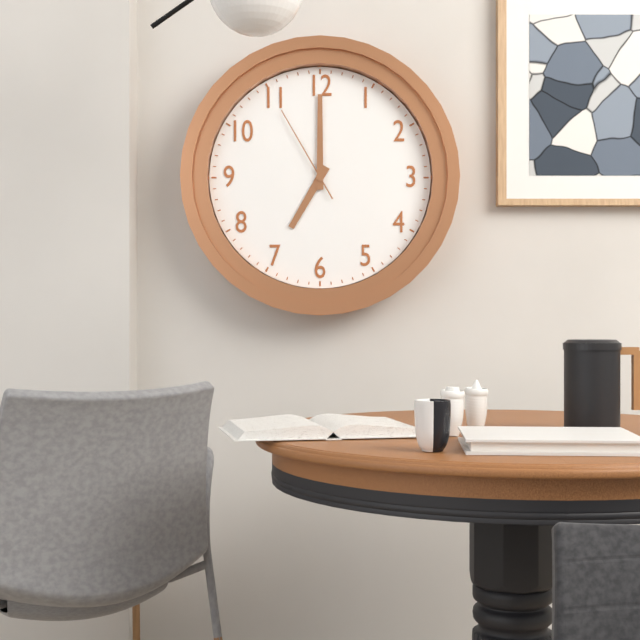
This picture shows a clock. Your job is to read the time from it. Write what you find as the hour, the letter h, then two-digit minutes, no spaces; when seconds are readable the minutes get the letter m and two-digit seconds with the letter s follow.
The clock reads 7h00m55s
